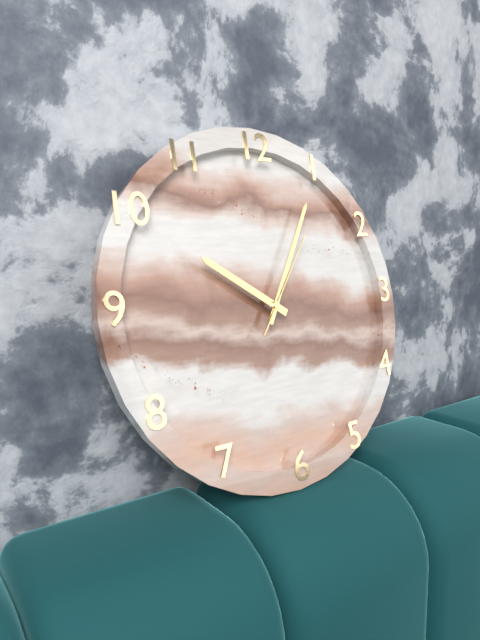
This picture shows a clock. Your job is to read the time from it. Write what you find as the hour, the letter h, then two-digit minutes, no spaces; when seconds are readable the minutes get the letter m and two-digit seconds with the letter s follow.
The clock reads 10h05m06s
